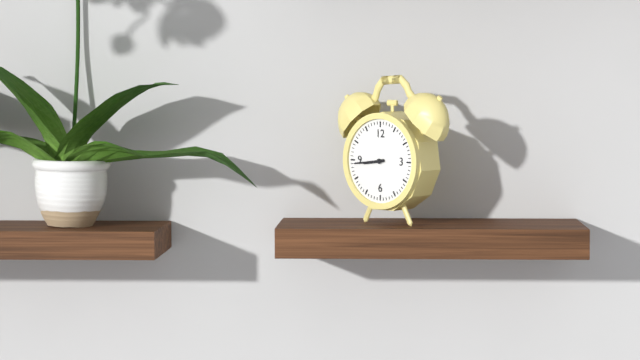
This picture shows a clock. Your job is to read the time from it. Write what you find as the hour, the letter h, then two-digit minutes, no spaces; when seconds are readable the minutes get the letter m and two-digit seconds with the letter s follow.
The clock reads 8h44
